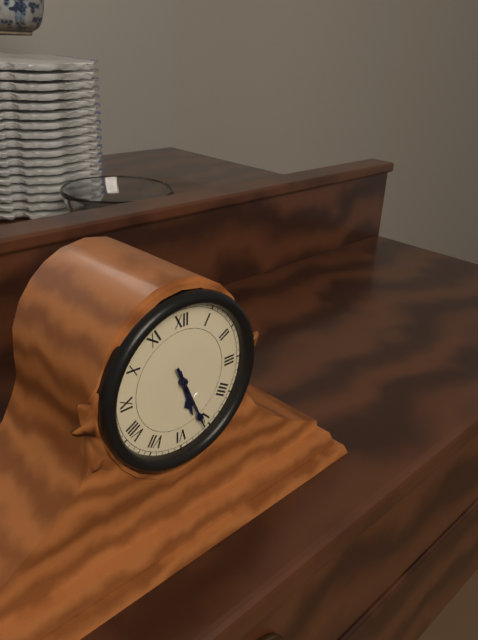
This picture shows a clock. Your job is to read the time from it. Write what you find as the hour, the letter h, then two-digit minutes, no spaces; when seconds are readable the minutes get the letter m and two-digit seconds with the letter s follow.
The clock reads 5h26
